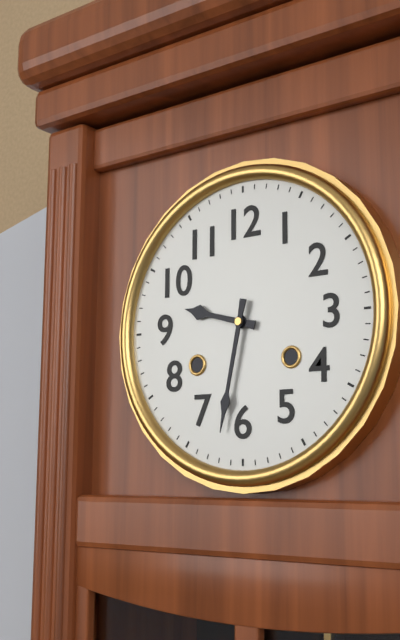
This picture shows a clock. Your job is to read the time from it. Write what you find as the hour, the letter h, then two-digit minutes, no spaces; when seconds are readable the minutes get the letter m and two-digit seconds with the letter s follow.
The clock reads 9h32
